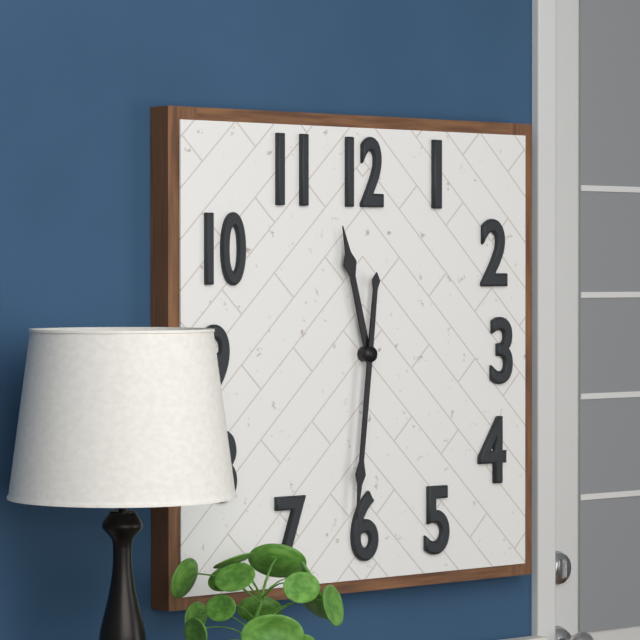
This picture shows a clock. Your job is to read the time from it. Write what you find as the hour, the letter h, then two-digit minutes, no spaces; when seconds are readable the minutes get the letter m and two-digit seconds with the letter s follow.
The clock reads 11h31
